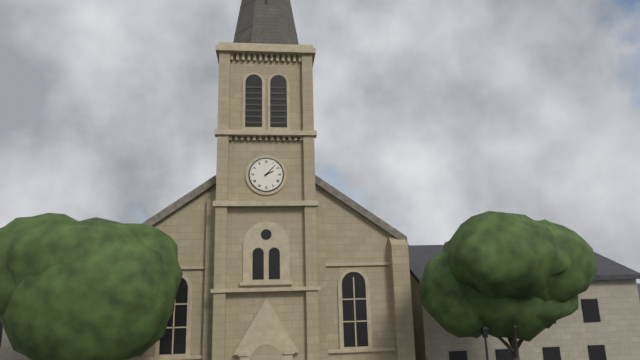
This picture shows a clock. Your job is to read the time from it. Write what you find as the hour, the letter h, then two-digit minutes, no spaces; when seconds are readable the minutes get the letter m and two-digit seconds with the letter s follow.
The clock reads 2h07
